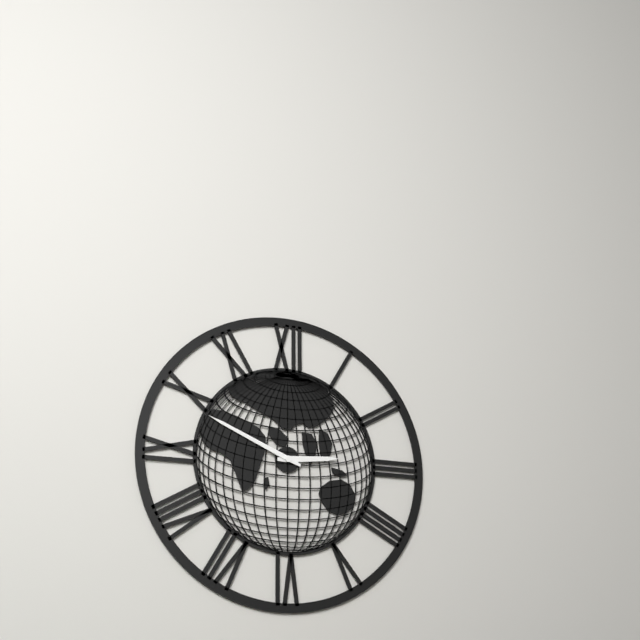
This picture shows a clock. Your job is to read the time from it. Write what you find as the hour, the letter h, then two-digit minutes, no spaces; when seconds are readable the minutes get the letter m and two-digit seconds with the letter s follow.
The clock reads 2h49
